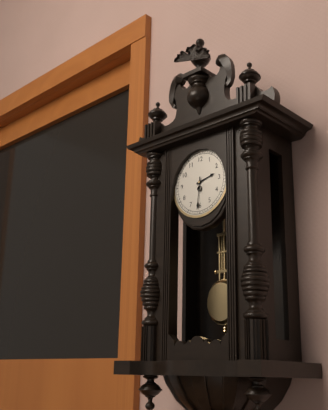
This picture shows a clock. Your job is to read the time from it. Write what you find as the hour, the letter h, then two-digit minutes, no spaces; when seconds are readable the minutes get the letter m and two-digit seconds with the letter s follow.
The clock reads 2h31
